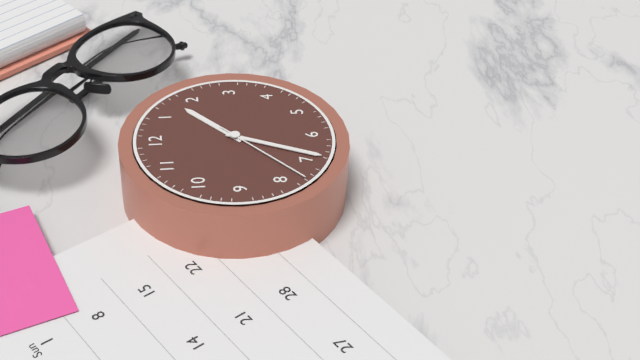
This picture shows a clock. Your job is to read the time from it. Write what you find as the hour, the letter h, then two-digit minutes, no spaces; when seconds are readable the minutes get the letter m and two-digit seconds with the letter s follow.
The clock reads 1h34m38s
